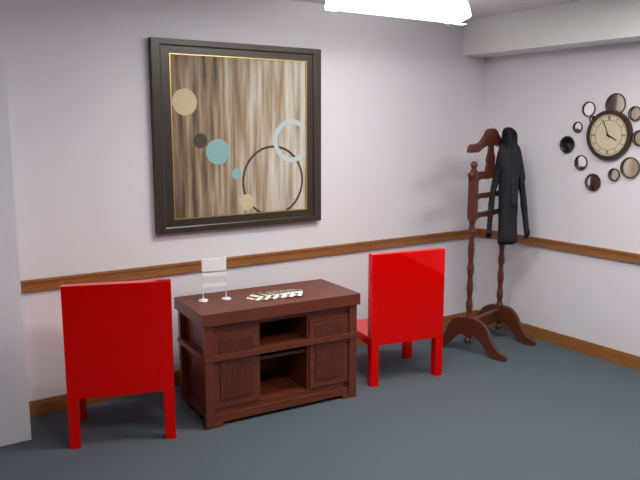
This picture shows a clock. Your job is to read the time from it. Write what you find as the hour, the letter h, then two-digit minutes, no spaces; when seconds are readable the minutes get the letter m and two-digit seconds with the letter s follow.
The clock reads 3h56
